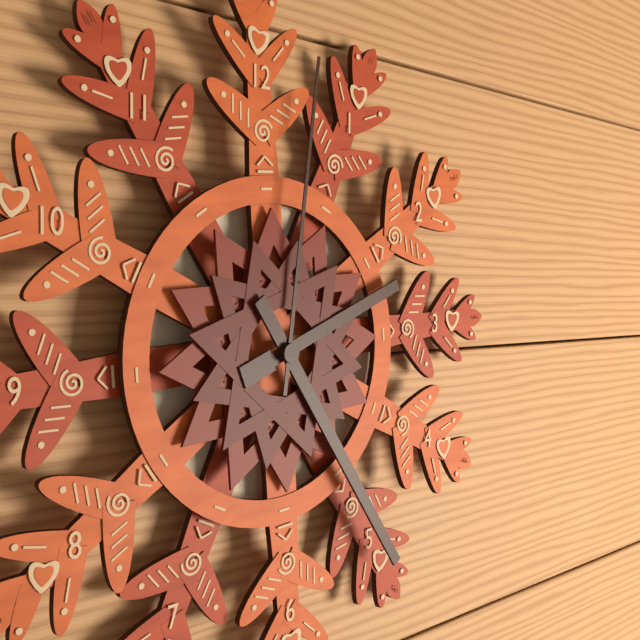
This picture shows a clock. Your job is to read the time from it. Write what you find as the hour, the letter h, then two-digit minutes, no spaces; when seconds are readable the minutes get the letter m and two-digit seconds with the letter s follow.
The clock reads 2h25m02s
